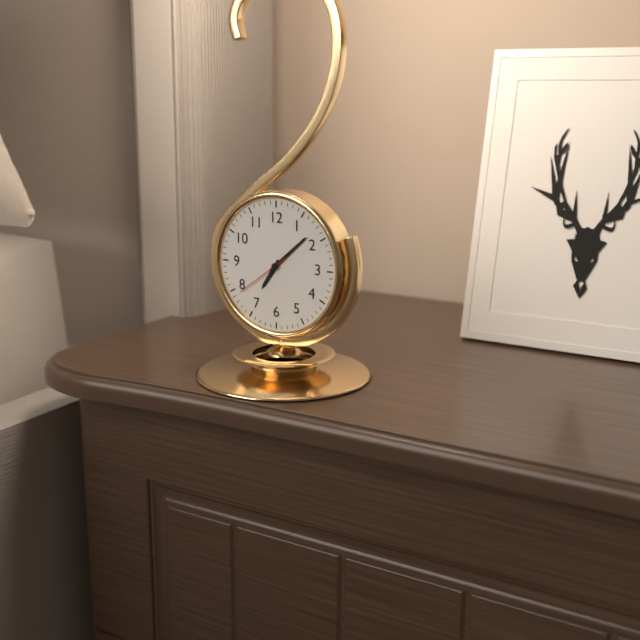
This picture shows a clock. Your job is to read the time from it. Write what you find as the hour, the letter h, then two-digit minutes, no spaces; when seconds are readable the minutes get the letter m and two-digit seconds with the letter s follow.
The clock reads 7h08m39s
